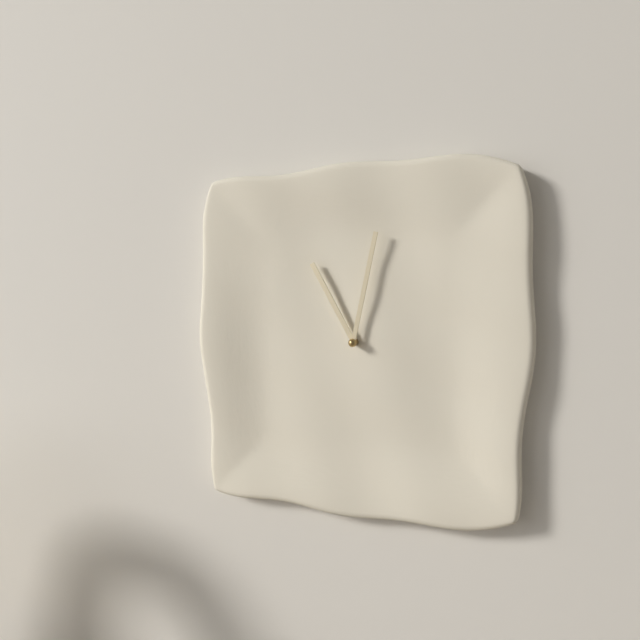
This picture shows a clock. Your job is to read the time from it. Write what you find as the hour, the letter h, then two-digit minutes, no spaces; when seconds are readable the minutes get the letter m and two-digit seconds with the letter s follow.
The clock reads 11h02
